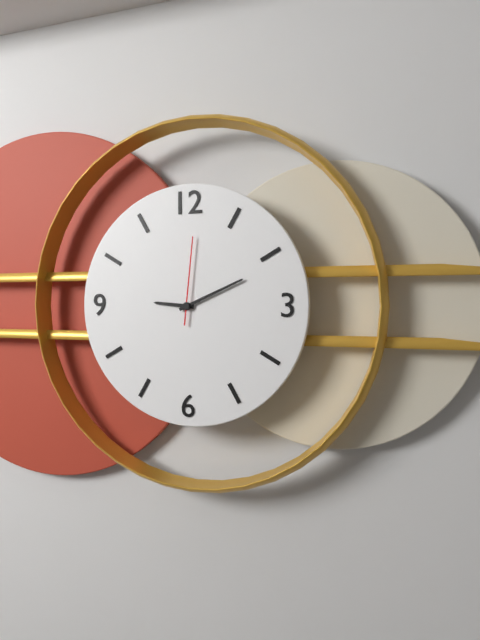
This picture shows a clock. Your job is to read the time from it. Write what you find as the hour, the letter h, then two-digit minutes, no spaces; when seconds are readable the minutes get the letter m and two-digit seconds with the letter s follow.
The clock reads 9h11m01s
